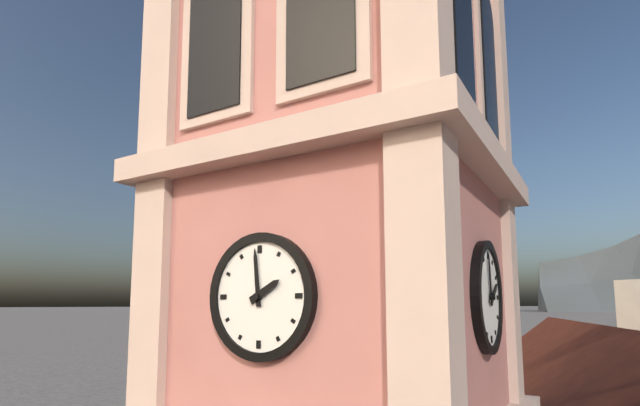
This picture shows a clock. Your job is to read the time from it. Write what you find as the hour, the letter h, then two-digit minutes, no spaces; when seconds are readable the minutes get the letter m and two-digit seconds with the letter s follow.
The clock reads 1h59
